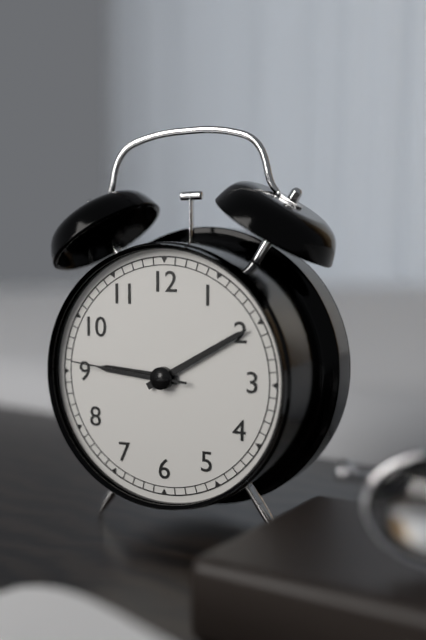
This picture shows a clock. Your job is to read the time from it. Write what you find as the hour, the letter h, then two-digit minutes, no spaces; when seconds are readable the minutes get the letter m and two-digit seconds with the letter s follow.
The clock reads 9h10m46s
